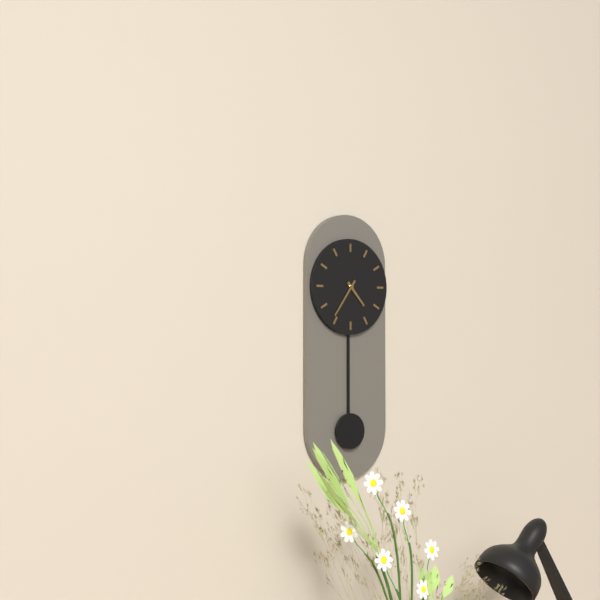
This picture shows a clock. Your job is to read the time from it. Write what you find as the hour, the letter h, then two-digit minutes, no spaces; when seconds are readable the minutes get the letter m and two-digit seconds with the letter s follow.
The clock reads 4h36
